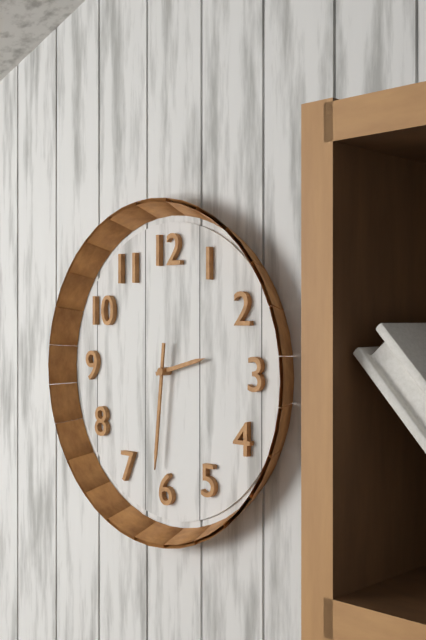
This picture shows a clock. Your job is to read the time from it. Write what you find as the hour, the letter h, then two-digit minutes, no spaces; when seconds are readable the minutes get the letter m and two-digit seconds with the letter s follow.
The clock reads 2h31
